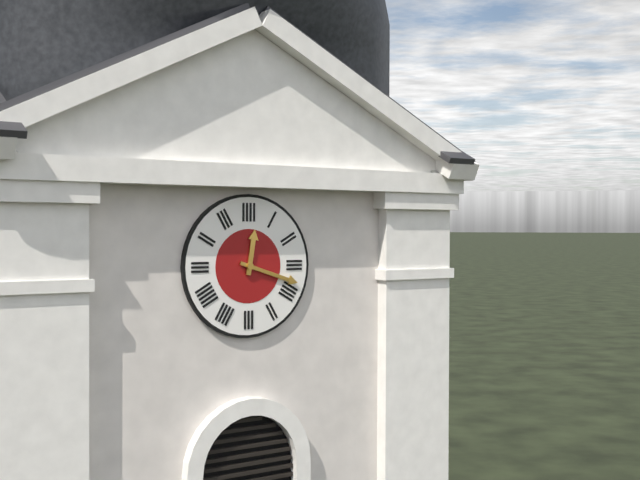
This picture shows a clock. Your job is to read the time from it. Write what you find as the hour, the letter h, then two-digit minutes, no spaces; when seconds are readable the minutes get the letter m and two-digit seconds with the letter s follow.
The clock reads 12h18
